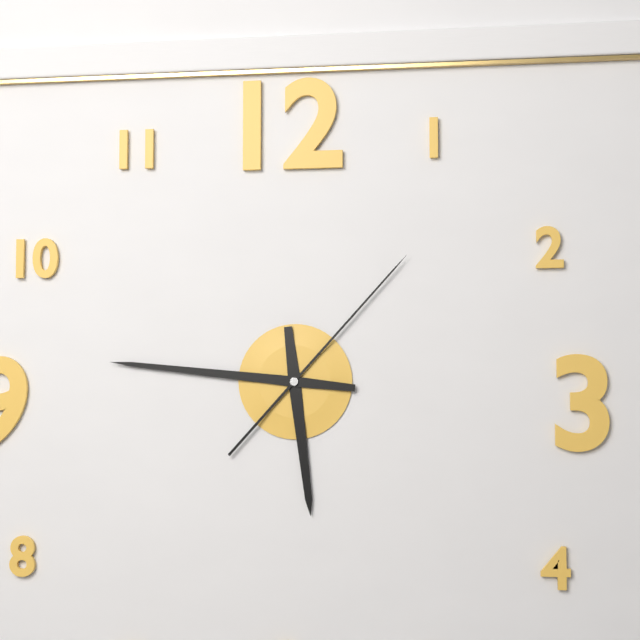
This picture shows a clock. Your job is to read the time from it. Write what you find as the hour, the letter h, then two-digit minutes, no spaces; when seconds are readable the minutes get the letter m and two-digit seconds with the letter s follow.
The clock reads 5h46m07s
